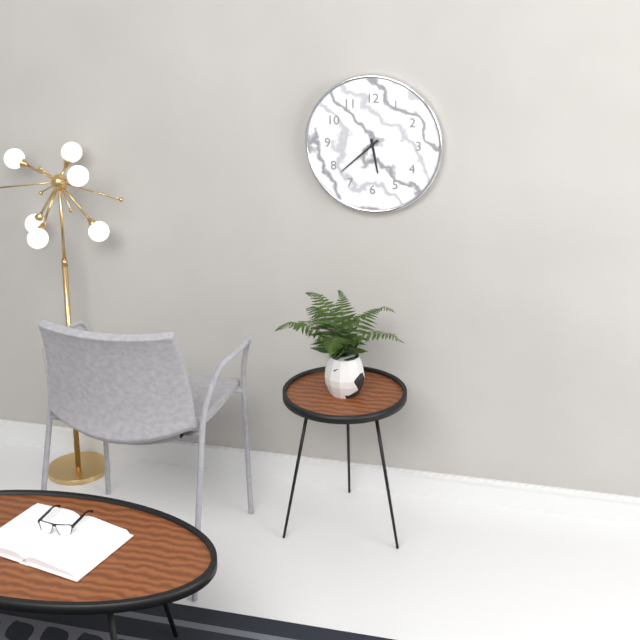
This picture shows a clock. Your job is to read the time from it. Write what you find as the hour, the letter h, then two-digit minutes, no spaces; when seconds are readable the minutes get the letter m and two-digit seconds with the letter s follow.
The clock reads 5h38
